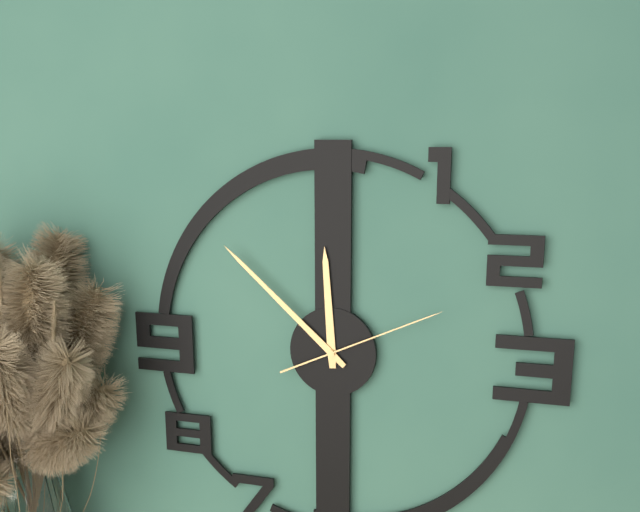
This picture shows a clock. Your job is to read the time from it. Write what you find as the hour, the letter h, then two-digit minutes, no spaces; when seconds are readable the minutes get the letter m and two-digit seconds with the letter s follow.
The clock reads 11h52m11s
